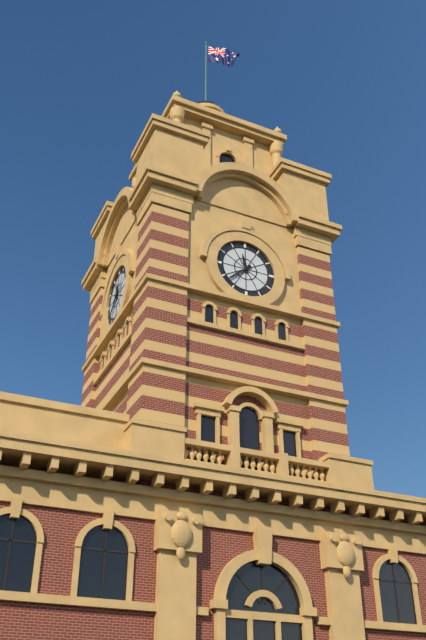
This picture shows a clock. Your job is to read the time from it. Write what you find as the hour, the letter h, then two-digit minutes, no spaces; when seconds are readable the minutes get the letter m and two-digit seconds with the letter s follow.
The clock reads 11h38
